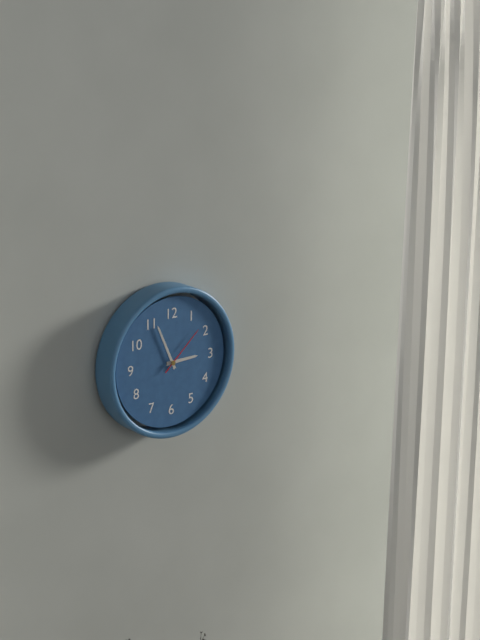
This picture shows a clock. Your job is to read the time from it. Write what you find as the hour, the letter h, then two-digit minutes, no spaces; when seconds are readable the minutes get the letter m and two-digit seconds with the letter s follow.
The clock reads 2h56m08s
